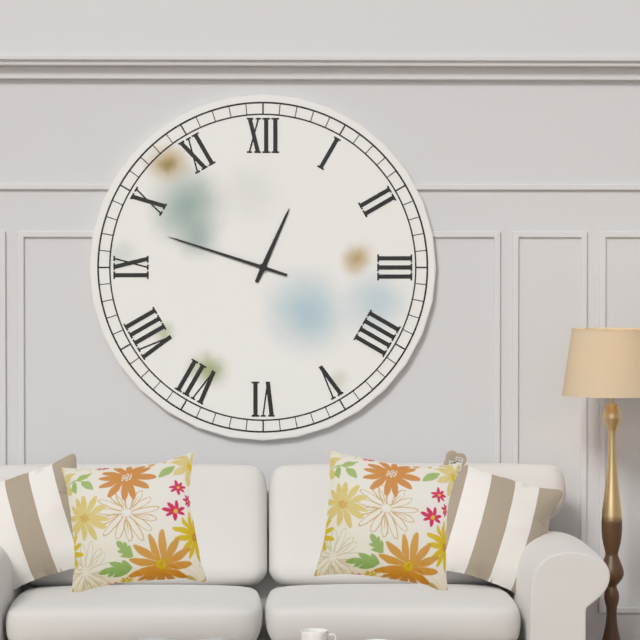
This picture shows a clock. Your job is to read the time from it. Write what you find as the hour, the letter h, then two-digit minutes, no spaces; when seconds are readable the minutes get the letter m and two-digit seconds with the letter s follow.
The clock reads 12h48
